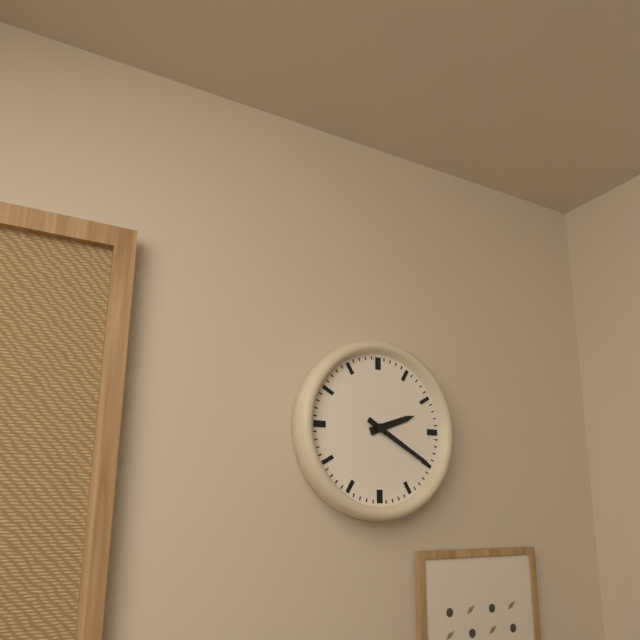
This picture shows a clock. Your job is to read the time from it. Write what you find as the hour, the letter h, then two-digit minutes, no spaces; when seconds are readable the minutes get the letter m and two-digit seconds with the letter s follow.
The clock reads 2h20
